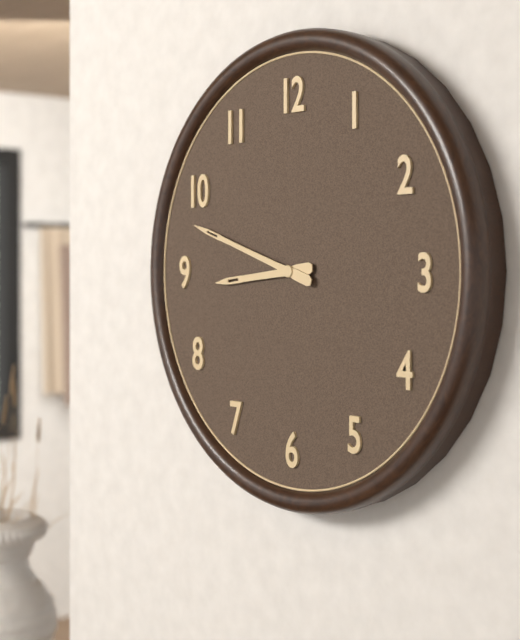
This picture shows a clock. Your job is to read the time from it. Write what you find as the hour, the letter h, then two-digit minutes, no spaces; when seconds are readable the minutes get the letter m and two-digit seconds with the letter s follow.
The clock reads 8h48
